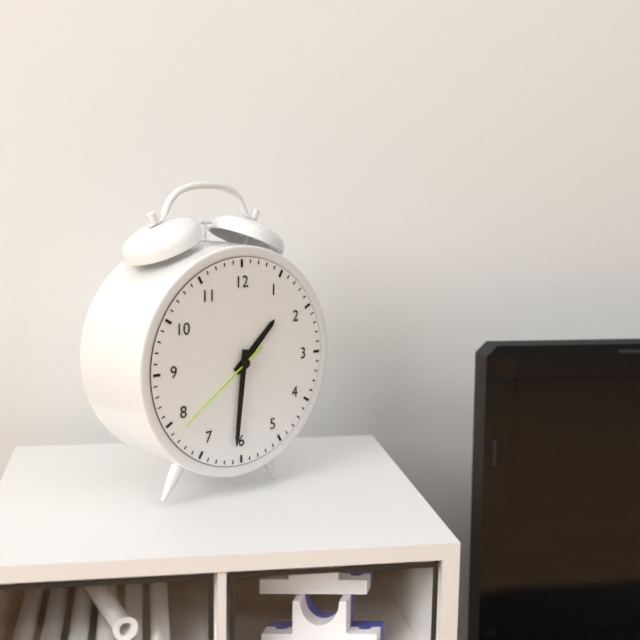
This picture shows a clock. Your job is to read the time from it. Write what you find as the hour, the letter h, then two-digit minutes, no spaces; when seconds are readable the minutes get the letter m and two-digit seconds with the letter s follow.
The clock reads 1h31m39s
